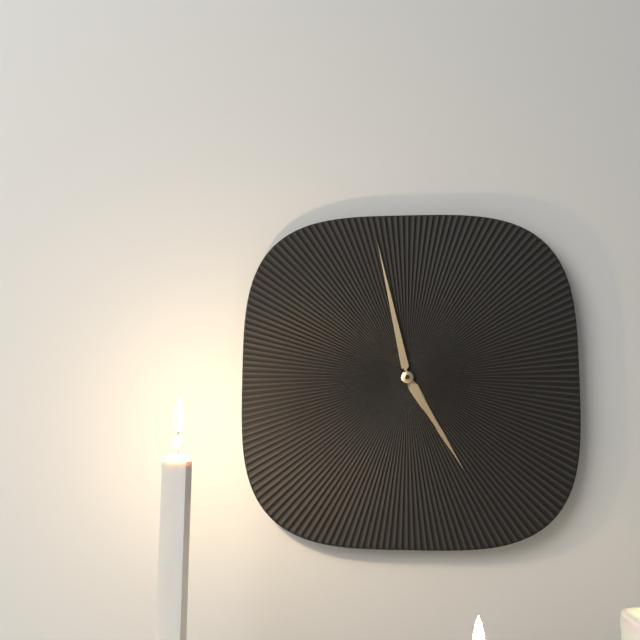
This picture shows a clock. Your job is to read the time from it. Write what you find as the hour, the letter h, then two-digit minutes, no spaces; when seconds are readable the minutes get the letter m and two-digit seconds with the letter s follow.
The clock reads 4h58
